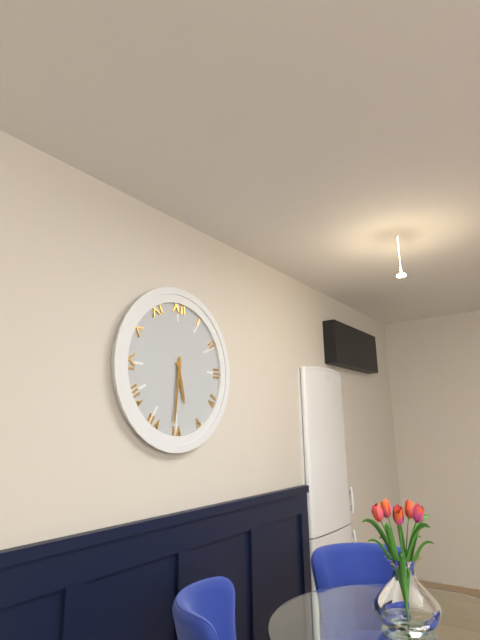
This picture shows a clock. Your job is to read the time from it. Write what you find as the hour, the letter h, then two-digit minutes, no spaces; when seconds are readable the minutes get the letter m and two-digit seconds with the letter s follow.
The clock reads 5h31
